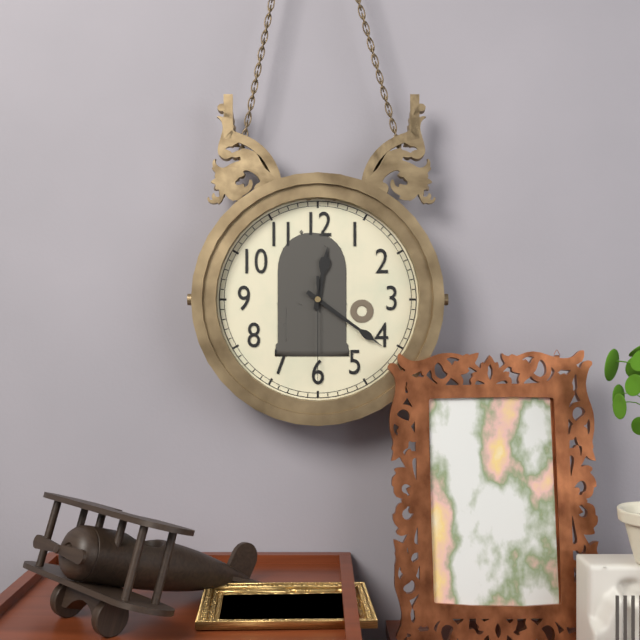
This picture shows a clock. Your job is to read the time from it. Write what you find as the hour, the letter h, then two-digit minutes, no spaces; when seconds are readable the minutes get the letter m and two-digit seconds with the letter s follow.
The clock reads 12h21m30s
